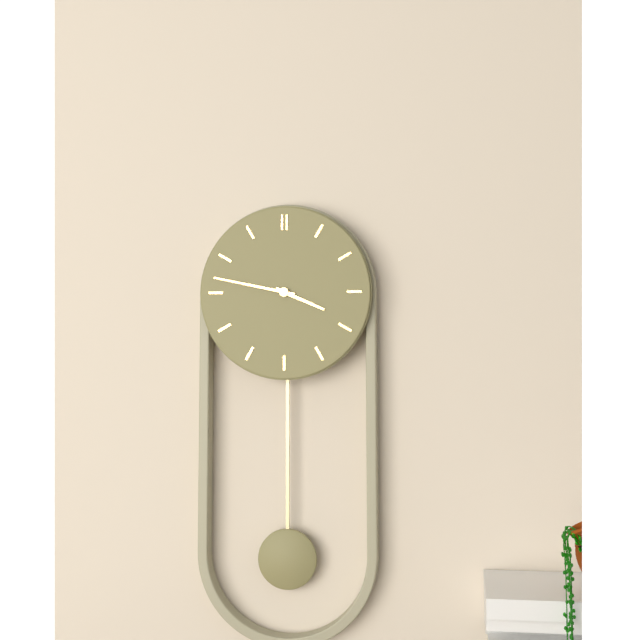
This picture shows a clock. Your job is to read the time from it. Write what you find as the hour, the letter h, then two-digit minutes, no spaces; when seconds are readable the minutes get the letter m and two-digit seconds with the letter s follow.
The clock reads 3h47
